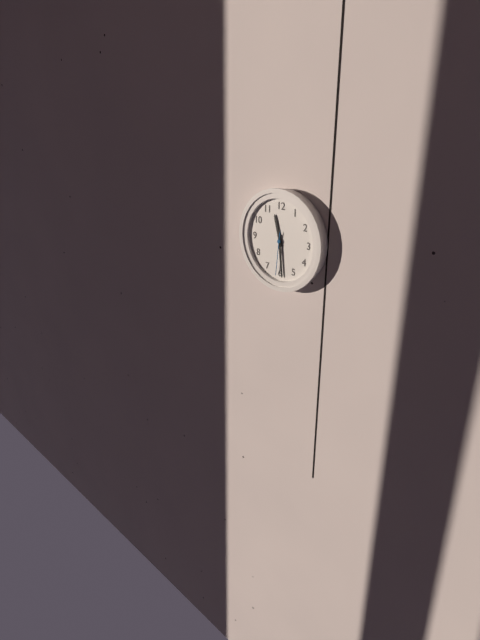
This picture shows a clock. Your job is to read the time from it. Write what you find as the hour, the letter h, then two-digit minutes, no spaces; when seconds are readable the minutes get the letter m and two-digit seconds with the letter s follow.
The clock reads 11h29
